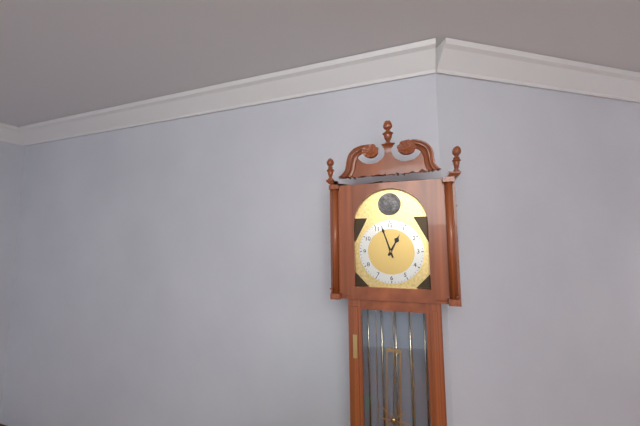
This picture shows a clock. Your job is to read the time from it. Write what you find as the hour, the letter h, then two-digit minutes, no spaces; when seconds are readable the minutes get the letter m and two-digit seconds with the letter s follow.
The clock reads 12h57
